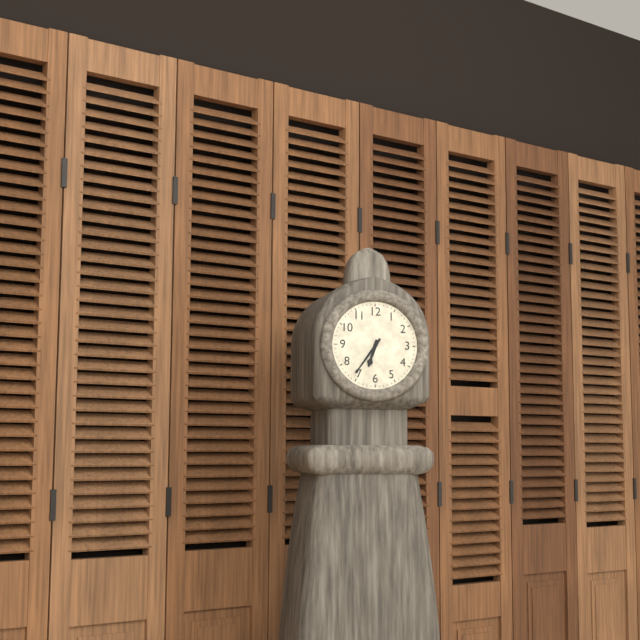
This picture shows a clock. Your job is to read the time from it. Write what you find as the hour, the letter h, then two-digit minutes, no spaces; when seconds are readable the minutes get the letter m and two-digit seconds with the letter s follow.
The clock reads 6h36
